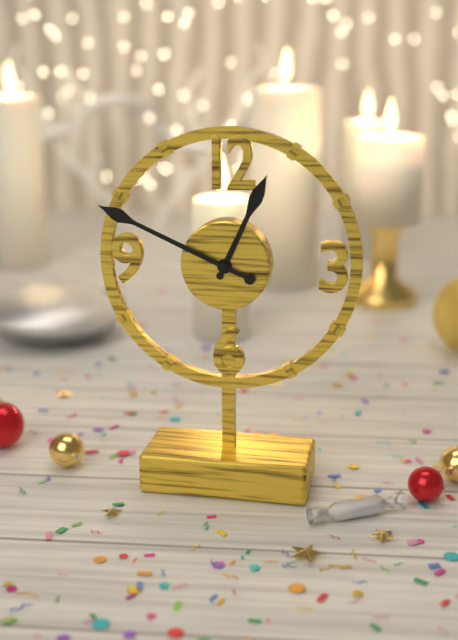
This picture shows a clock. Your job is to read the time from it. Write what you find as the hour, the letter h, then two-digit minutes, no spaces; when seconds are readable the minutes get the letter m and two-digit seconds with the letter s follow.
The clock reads 12h49
